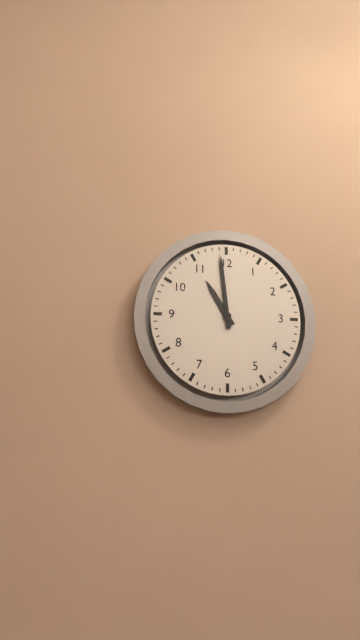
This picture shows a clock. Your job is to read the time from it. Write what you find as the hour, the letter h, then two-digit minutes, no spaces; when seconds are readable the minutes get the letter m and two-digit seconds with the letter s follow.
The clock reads 10h59
